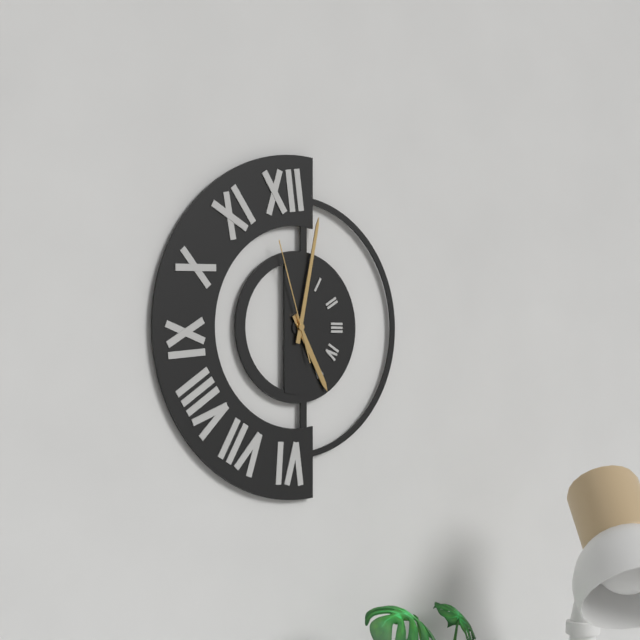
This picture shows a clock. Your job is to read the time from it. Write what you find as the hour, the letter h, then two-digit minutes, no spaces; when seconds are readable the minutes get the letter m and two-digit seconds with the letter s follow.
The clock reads 5h02m57s
